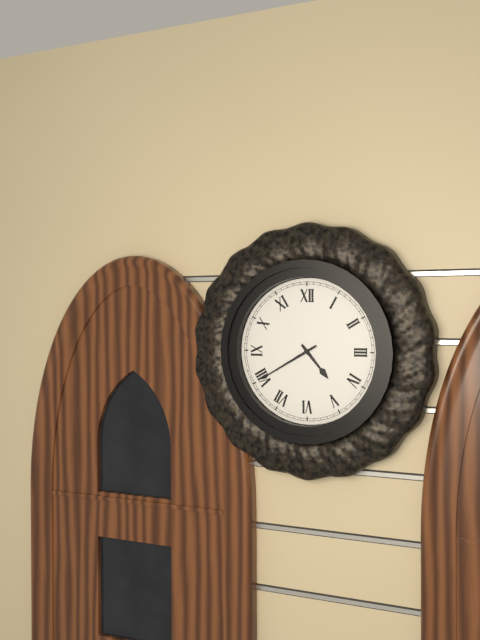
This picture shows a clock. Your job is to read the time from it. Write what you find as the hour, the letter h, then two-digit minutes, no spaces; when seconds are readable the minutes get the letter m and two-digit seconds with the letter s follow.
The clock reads 4h40
